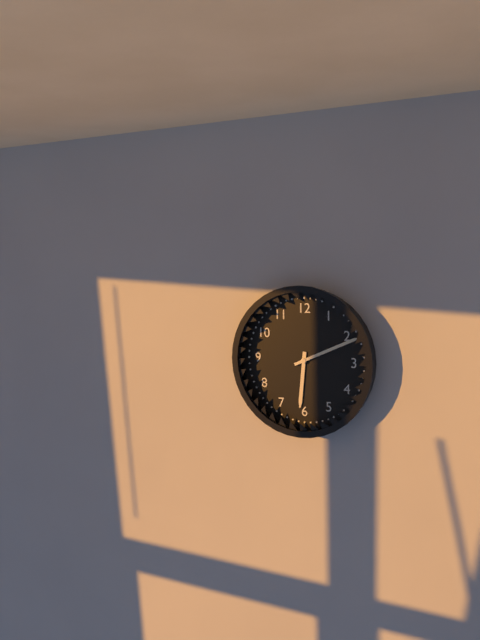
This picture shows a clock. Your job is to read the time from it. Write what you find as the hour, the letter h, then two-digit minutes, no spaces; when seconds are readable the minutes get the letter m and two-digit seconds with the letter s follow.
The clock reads 6h11
